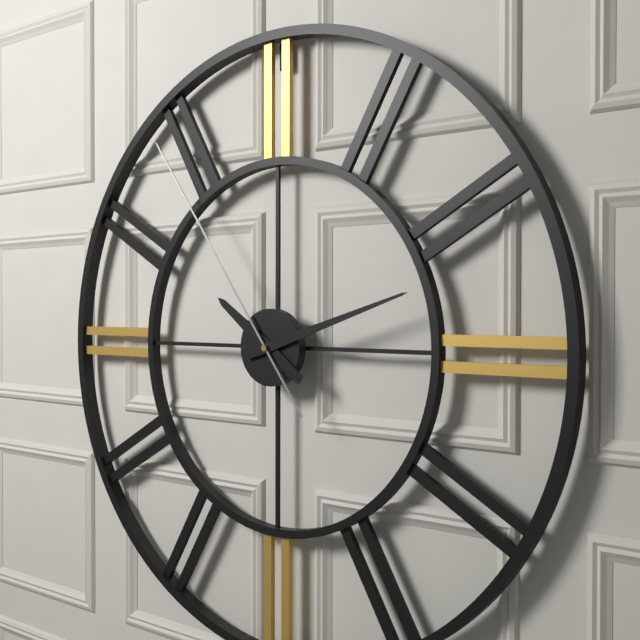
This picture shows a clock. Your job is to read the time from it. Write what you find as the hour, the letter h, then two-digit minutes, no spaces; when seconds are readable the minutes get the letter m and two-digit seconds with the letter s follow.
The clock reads 10h12m54s
